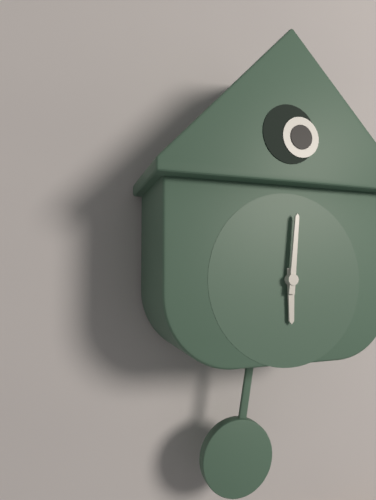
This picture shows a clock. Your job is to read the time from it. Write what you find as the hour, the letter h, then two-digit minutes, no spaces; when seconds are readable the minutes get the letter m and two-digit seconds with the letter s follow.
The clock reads 6h01
